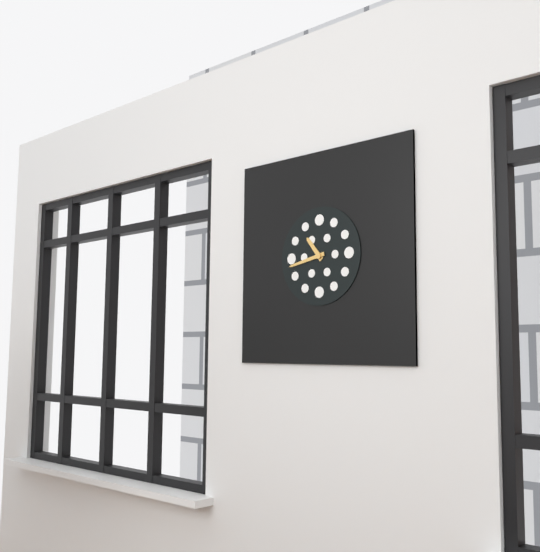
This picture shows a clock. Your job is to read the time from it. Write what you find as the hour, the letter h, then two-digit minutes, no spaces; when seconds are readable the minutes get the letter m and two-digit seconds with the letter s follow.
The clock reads 10h43
